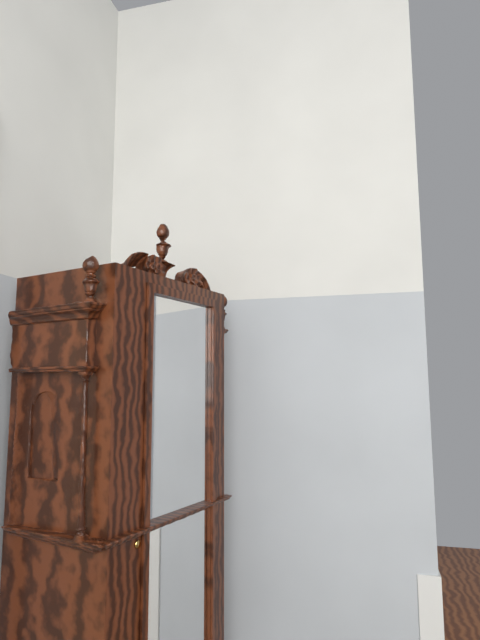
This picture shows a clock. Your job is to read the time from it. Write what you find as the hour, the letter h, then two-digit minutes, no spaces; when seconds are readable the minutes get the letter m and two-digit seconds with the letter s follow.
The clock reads 7h00
